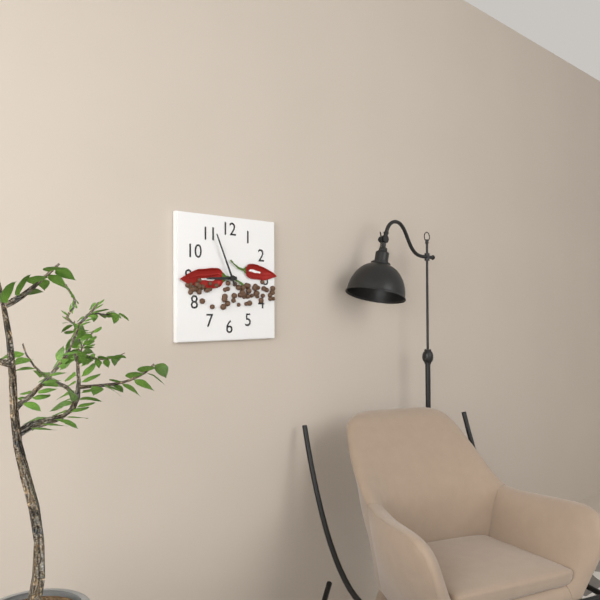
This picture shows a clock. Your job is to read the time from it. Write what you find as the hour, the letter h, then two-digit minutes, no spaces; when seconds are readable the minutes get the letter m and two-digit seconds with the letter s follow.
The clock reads 8h56
